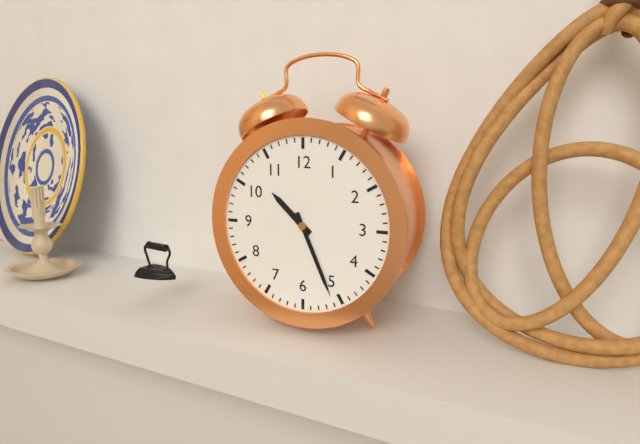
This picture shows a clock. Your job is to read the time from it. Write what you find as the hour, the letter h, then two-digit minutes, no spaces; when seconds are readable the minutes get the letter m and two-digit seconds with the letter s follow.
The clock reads 10h26
